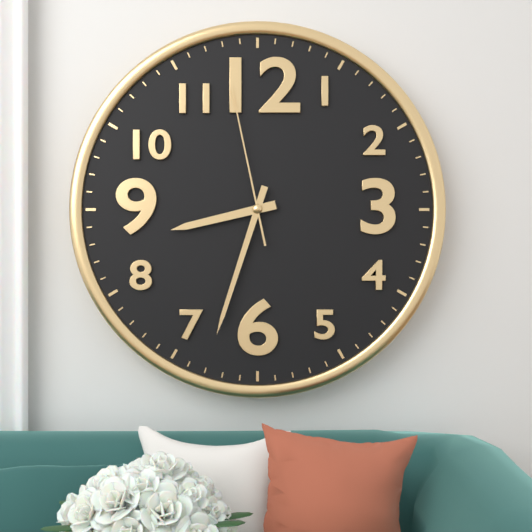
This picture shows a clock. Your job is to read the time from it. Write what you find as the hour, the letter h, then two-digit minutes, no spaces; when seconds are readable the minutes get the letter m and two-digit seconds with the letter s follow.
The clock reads 8h33m58s
